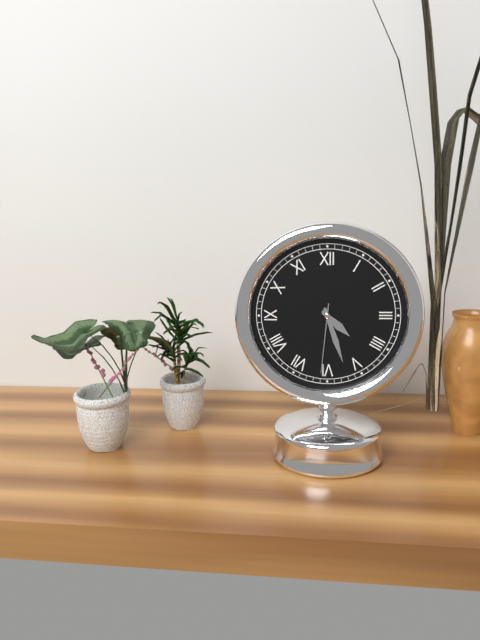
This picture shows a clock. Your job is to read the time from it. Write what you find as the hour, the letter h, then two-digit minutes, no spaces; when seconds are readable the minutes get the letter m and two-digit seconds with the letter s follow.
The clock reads 4h27m31s
